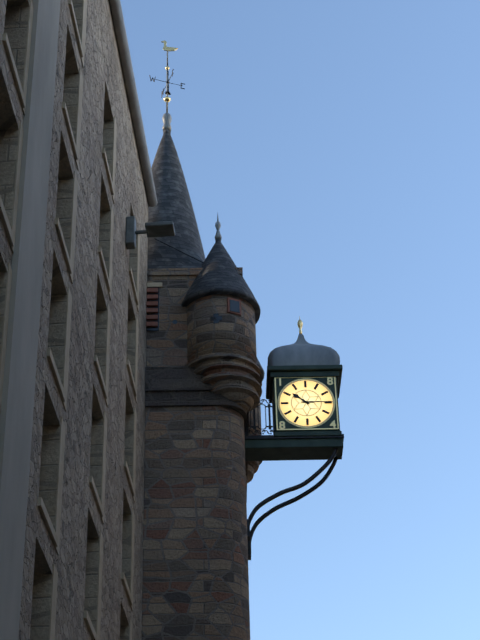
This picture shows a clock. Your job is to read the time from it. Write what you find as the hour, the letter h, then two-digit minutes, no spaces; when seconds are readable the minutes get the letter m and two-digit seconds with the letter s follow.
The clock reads 10h15
